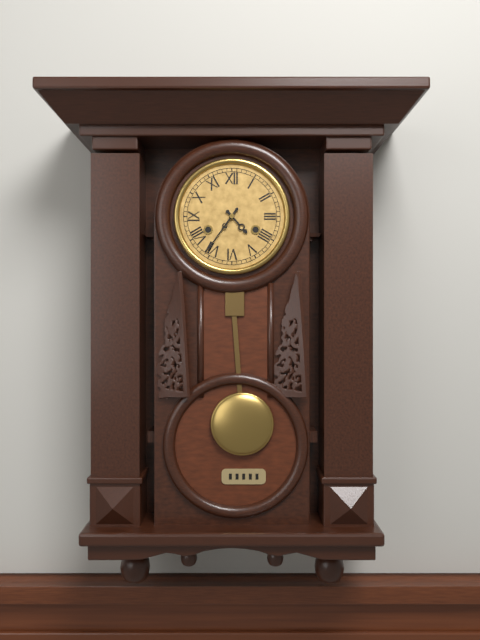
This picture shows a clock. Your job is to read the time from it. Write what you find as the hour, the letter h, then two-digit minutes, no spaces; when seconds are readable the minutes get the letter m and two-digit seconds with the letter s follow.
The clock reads 4h36
